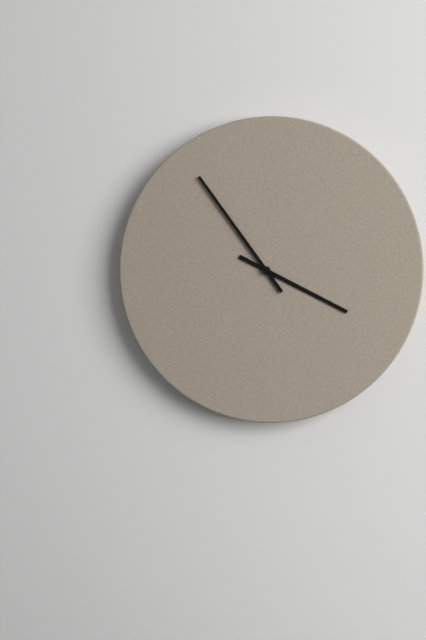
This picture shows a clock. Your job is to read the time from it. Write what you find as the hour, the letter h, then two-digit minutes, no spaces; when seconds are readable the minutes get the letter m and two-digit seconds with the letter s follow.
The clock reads 3h54
